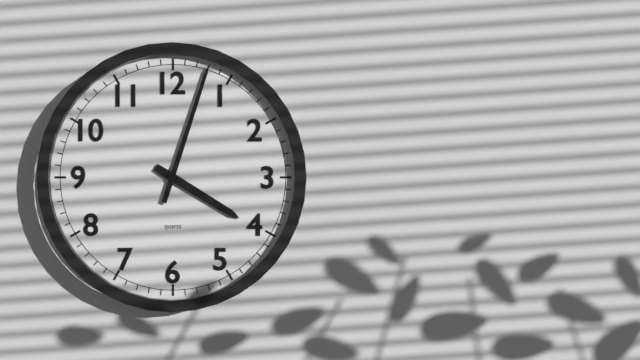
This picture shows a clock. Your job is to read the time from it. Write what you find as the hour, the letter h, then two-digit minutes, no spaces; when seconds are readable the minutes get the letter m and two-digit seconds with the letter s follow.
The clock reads 4h03
